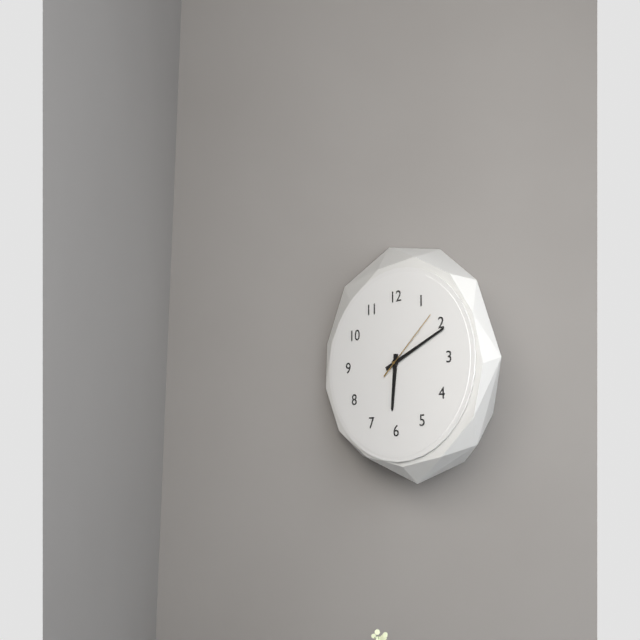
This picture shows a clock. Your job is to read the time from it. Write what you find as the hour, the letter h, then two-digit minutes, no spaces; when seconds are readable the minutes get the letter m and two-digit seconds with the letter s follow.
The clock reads 6h11m08s
